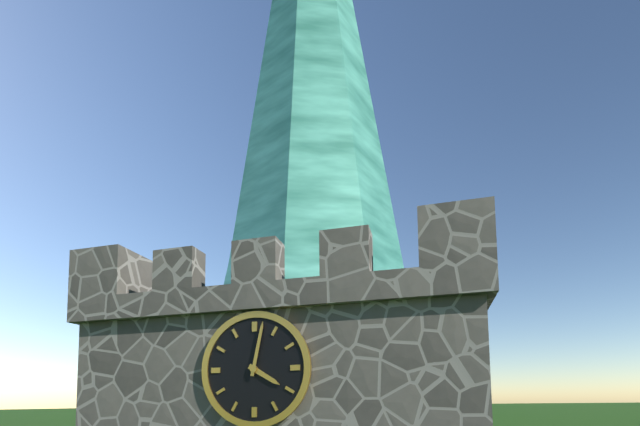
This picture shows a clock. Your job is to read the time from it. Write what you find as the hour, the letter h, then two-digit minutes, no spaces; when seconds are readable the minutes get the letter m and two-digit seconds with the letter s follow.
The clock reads 4h02
